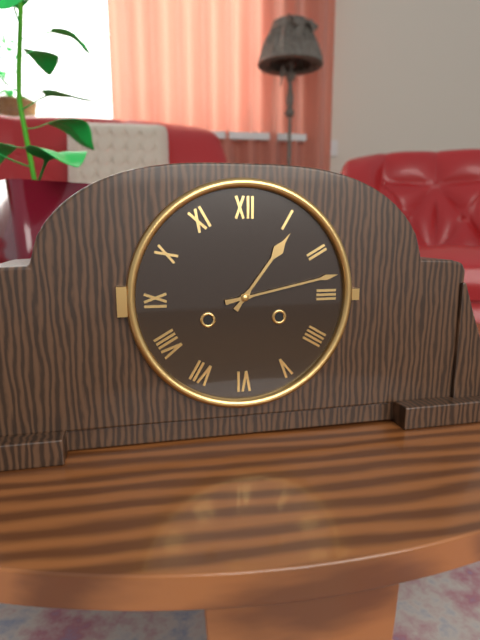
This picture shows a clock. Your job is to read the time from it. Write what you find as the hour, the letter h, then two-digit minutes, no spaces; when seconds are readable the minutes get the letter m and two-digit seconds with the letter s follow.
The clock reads 1h13
